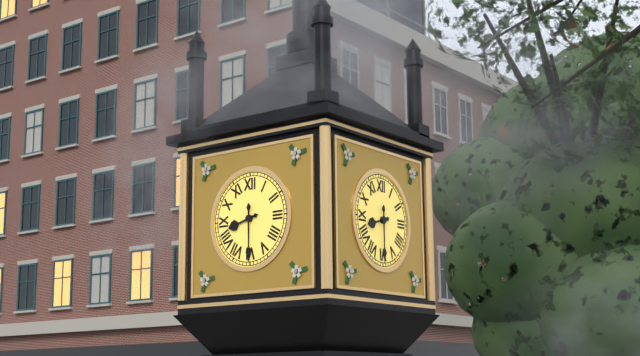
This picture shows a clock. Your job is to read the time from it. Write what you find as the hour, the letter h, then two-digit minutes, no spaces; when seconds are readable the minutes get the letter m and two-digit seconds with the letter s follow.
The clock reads 8h30
